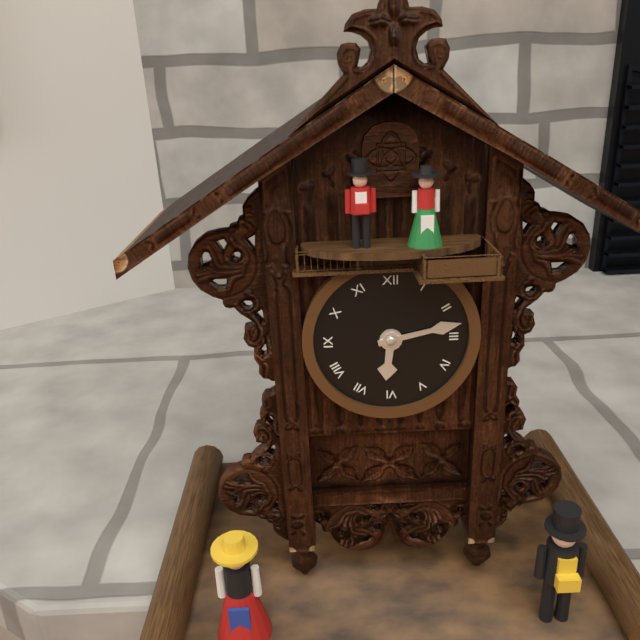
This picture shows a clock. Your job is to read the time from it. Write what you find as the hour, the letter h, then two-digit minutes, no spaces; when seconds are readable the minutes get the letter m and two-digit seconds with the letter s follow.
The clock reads 6h13
